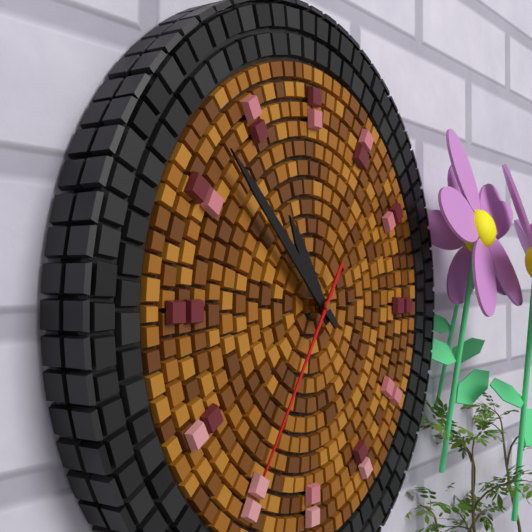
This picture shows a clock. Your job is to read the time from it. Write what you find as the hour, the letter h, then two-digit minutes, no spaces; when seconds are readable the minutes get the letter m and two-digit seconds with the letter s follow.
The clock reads 10h52m36s
